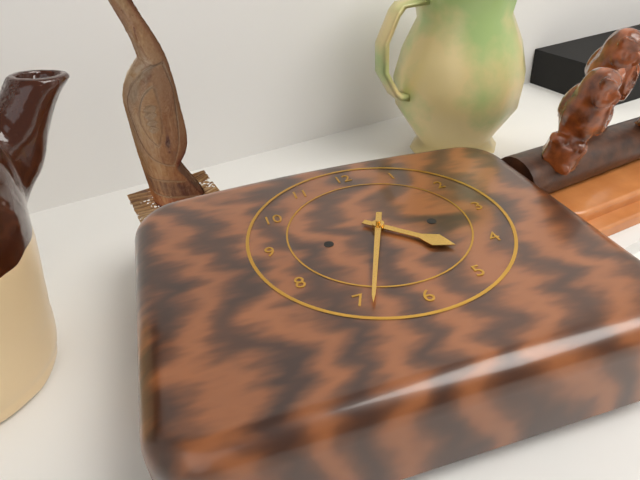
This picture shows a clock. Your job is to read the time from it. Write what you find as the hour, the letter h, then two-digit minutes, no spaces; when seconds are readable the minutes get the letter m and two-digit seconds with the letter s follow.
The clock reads 4h34
